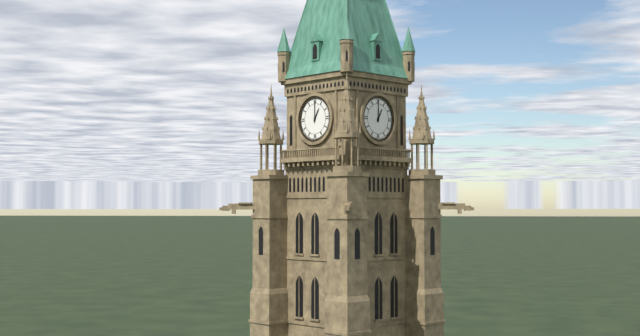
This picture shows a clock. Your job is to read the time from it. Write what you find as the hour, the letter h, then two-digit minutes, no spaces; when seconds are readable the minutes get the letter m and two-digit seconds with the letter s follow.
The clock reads 1h00
